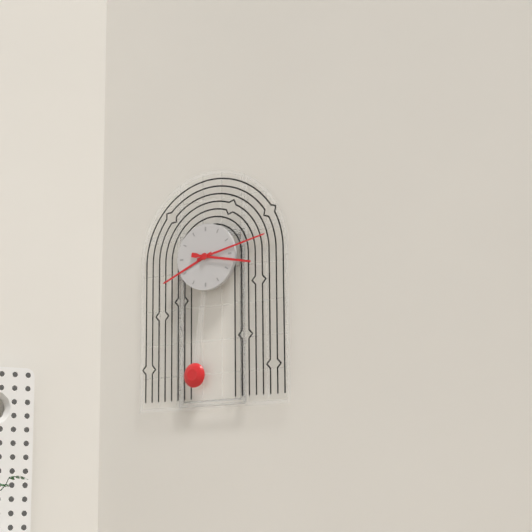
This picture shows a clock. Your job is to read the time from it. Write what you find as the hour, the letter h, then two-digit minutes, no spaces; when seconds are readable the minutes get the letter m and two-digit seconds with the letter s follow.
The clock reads 8h13m17s
